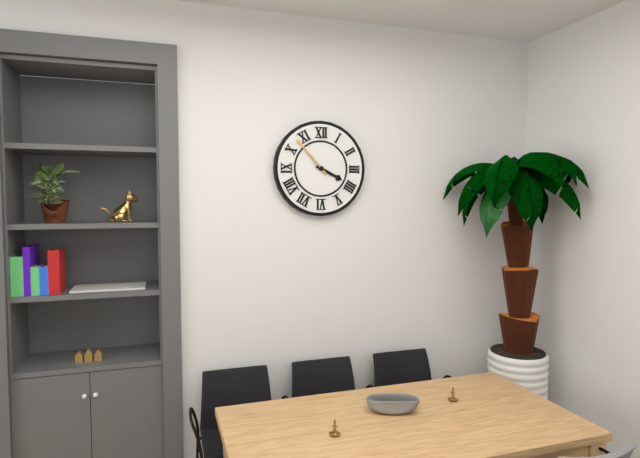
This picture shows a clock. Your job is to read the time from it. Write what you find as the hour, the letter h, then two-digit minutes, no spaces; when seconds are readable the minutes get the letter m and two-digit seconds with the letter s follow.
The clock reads 3h53
